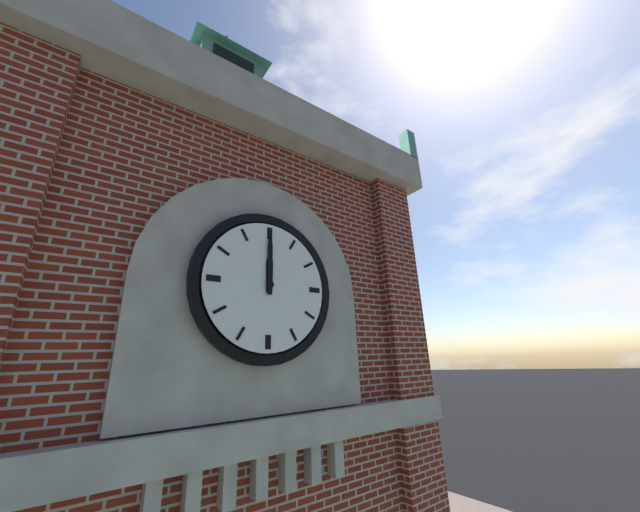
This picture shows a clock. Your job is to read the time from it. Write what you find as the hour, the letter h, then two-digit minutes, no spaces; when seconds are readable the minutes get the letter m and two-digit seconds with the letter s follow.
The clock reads 12h00
